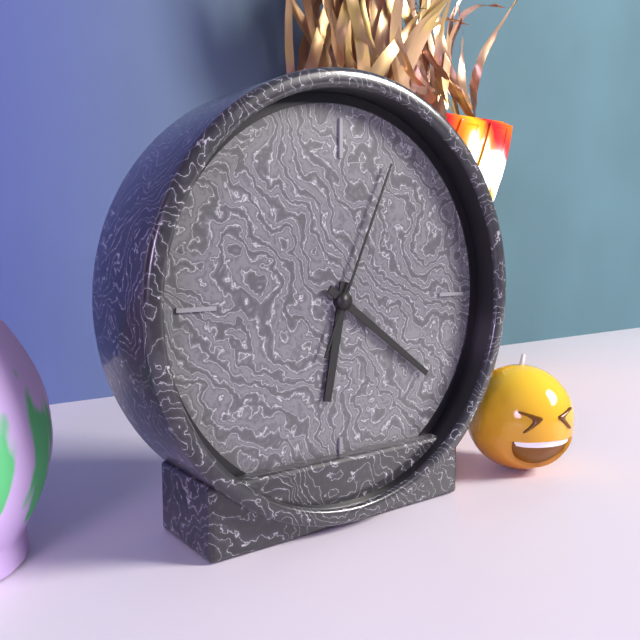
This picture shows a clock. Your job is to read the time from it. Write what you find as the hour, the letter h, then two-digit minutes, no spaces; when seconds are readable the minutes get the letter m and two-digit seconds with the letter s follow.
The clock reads 6h21m04s
